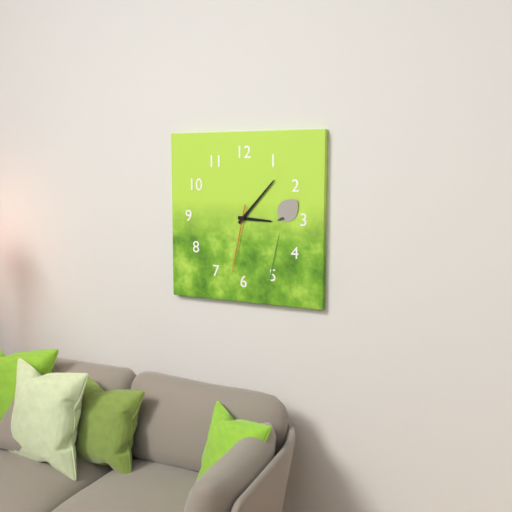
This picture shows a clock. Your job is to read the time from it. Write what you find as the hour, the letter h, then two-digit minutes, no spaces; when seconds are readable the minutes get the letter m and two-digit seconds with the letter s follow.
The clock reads 3h07m32s
